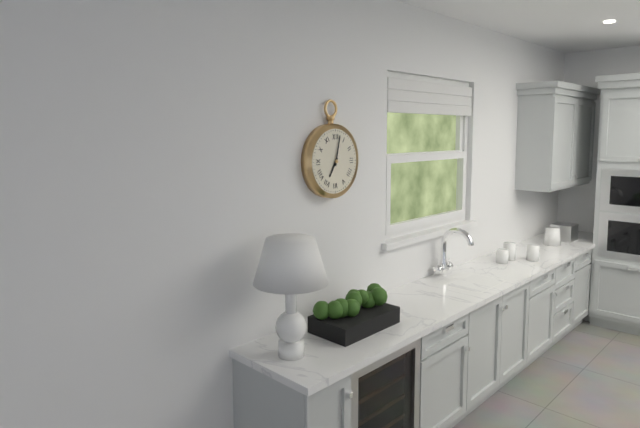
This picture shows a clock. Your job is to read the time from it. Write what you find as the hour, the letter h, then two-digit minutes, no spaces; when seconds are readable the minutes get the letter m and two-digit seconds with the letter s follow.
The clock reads 7h02
